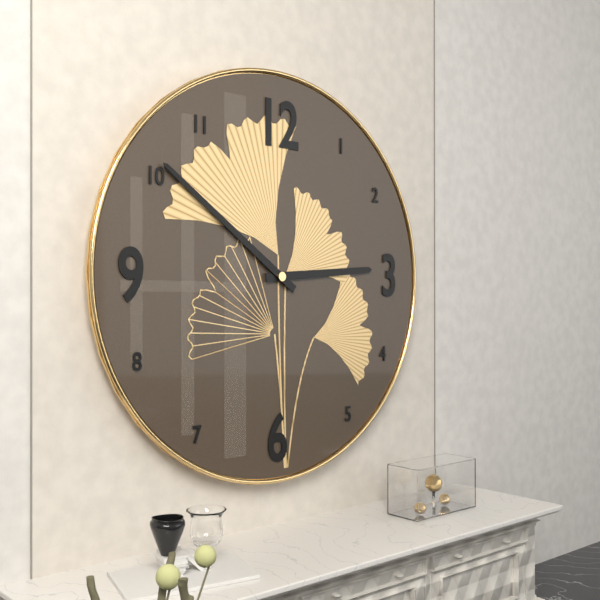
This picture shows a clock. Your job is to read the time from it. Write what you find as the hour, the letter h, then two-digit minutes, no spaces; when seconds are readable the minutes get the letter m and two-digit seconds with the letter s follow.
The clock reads 2h51
